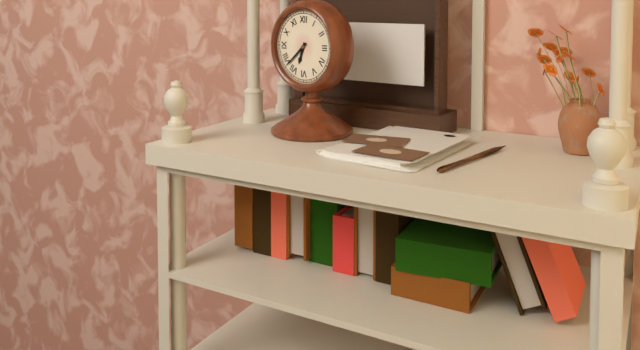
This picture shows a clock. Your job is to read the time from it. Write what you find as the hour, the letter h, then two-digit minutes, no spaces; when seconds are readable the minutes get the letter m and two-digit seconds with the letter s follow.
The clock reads 6h38
